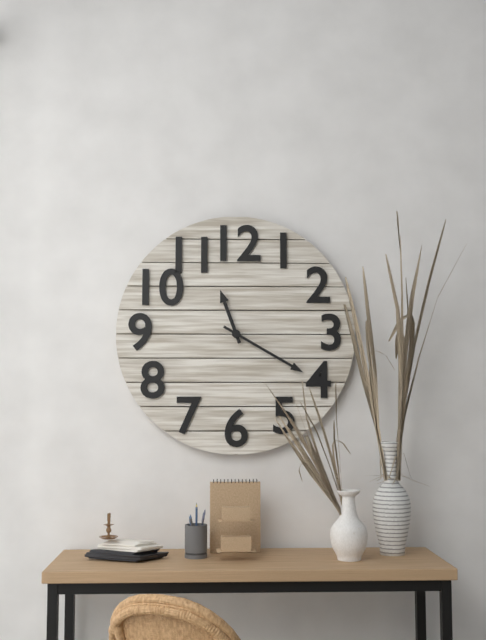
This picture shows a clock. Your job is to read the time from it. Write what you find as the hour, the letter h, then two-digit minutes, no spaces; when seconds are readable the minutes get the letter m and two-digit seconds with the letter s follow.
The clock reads 11h20
